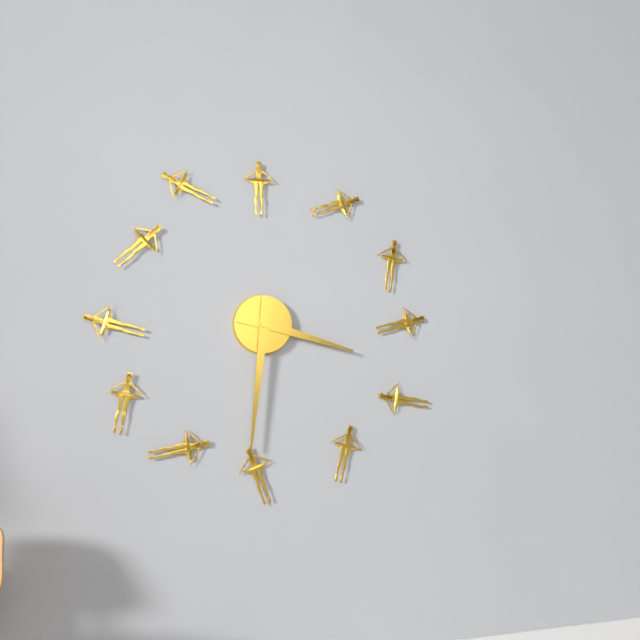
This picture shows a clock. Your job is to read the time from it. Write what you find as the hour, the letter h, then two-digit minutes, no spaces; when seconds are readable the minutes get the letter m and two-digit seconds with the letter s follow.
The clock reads 3h31
